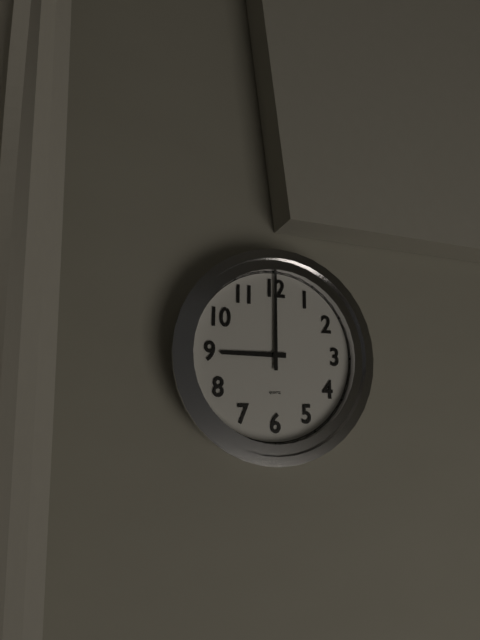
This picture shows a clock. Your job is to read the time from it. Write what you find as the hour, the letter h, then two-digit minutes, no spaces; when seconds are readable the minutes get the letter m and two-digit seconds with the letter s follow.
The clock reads 9h00
